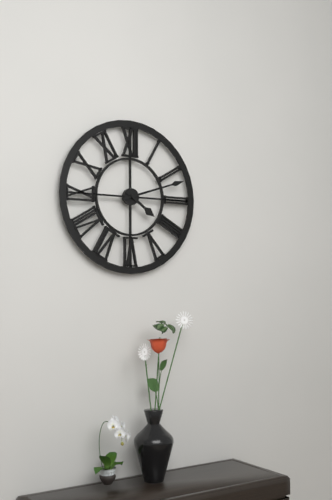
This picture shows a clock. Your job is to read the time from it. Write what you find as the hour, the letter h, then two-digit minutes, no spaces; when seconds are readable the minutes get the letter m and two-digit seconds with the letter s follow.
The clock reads 4h12
